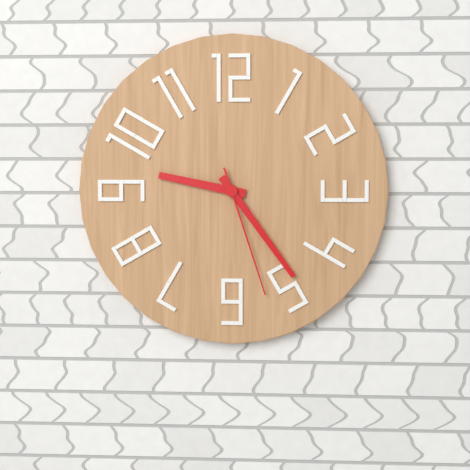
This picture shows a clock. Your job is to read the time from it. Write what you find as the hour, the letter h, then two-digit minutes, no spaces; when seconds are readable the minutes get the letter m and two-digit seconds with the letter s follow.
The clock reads 9h24m27s
